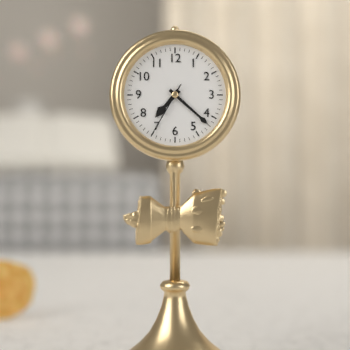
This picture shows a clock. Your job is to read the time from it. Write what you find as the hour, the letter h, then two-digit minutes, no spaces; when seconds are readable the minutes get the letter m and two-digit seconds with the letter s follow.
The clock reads 7h22m35s
